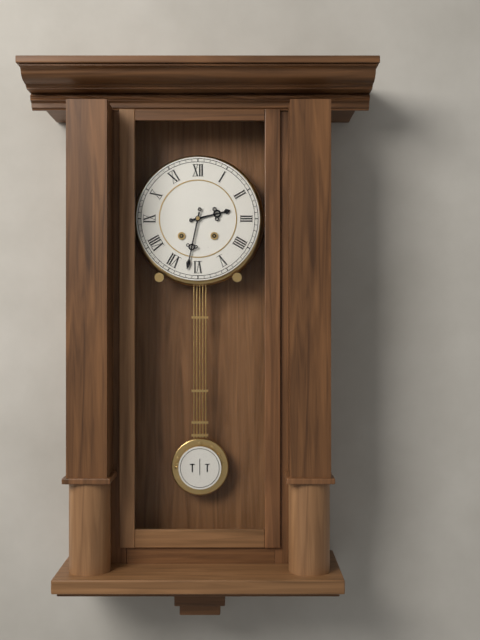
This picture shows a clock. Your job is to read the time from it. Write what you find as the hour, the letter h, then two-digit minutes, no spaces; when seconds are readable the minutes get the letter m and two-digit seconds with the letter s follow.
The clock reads 2h32
